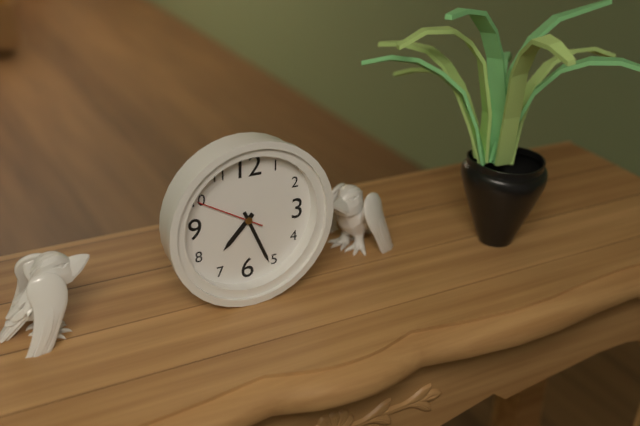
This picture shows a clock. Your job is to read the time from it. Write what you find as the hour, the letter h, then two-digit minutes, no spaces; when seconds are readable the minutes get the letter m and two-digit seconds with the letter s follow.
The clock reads 7h26m50s
